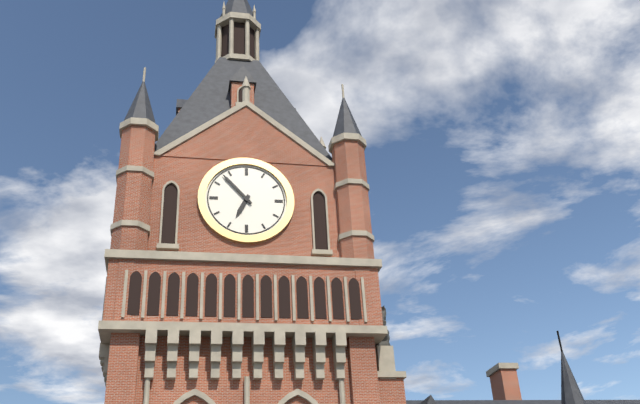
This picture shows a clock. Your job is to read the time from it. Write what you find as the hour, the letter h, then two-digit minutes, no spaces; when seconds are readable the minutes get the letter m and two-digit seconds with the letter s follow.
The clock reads 6h53
